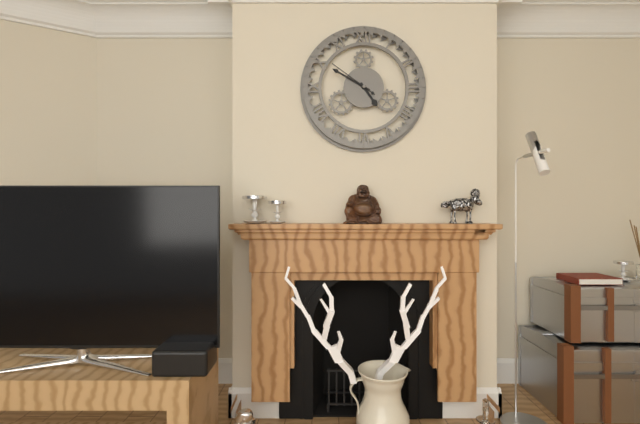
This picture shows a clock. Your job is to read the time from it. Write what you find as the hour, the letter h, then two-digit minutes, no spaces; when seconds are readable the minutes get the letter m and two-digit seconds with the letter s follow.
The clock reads 4h50m51s
